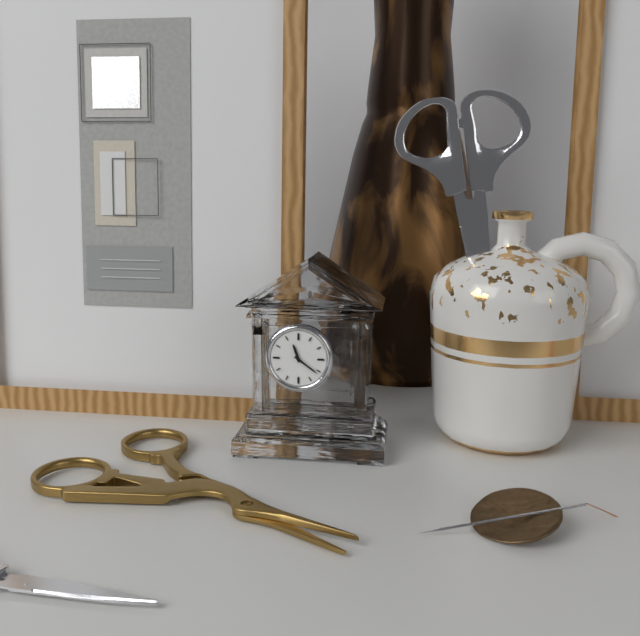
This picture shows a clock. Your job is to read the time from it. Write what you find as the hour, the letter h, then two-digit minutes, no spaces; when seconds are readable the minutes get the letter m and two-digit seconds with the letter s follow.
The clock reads 11h21
